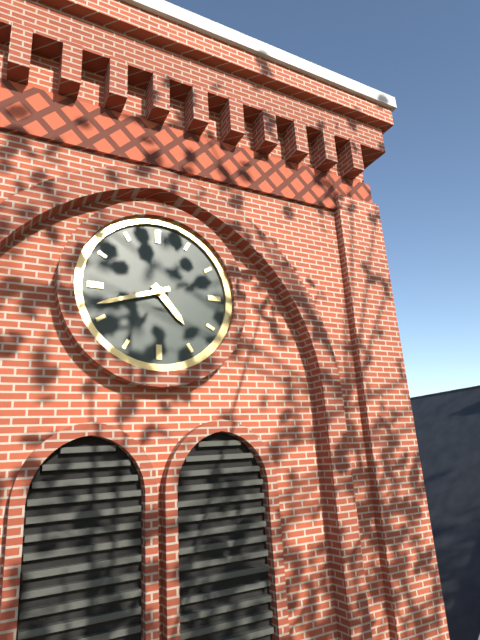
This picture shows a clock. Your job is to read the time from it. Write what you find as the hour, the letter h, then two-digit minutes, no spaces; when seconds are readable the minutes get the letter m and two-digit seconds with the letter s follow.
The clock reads 4h42
